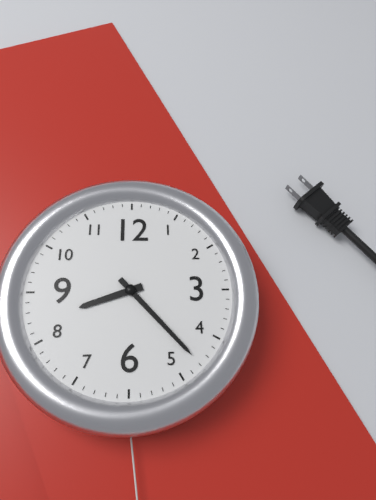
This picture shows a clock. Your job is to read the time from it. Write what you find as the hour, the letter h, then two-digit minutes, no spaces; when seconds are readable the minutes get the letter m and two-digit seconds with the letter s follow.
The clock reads 8h23
